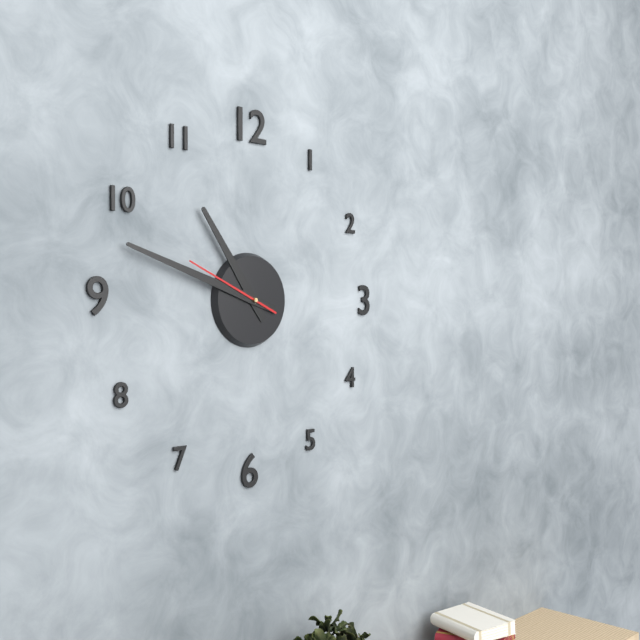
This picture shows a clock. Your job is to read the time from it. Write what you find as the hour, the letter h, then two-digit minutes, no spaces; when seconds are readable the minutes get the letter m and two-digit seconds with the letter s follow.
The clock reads 10h48m49s
